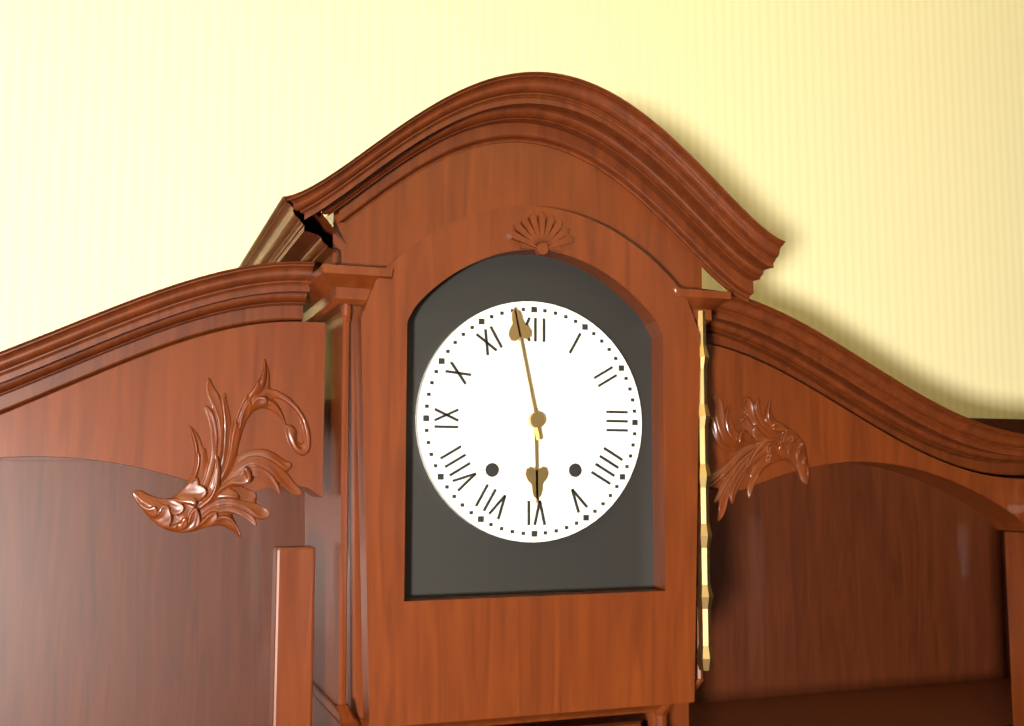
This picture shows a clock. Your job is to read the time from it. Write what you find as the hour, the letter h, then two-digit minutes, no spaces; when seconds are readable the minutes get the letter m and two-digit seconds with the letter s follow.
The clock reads 5h58
